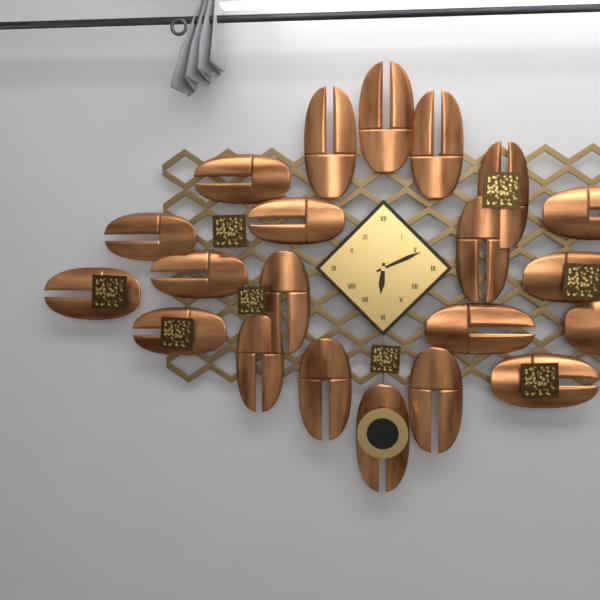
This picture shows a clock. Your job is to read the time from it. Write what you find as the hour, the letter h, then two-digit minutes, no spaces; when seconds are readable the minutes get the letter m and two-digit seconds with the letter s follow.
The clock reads 6h11
